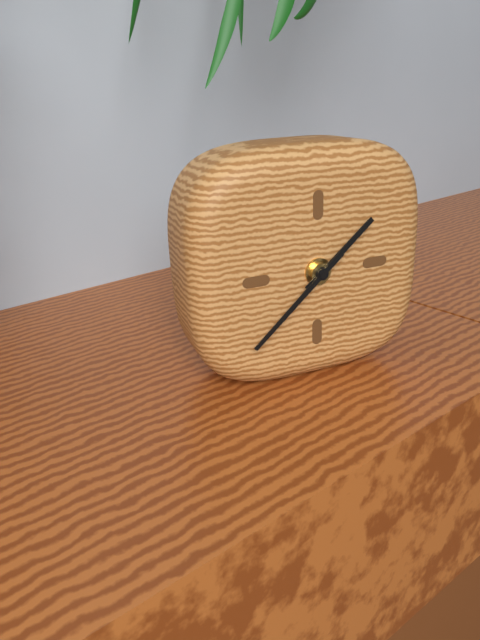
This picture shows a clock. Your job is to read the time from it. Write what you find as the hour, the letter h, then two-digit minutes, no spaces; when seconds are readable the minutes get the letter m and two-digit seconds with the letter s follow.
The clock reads 1h38
